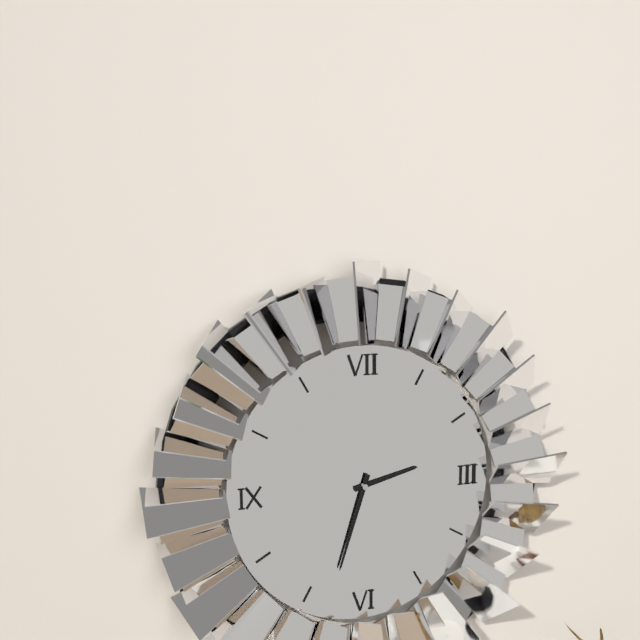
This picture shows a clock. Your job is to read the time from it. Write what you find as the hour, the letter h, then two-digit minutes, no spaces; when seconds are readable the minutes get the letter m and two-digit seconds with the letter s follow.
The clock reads 2h33
